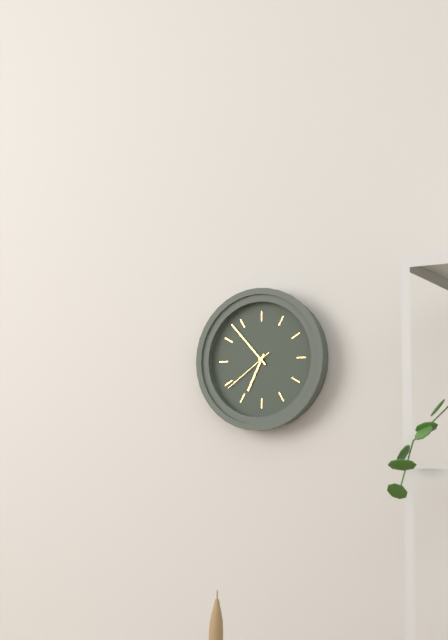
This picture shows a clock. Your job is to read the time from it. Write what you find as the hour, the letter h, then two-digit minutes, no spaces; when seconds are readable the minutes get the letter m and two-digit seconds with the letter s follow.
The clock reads 6h53m39s
